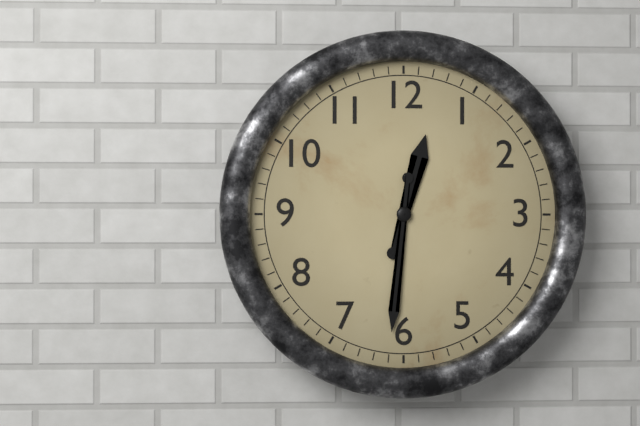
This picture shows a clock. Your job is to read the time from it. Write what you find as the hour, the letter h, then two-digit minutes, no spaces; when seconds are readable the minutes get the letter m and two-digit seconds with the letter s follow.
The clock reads 12h31
